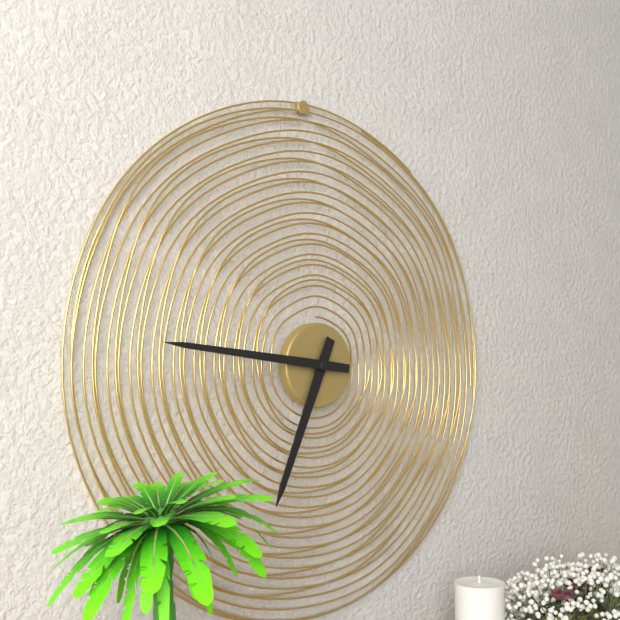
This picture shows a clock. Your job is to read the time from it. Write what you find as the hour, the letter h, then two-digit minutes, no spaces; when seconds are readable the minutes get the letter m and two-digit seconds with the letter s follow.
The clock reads 6h46
